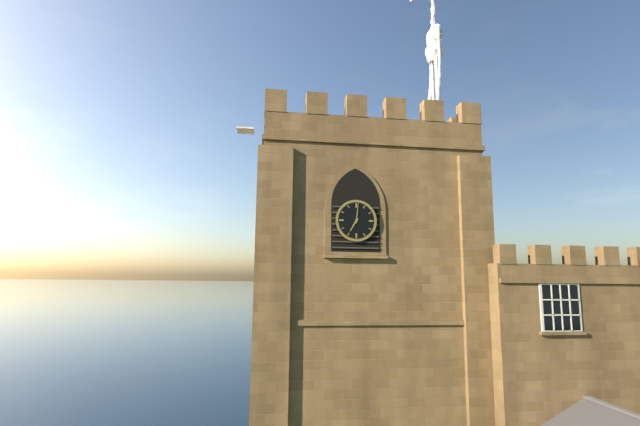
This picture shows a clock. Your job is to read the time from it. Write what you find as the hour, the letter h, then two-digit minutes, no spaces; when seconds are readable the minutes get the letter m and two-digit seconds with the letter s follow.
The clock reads 7h01
